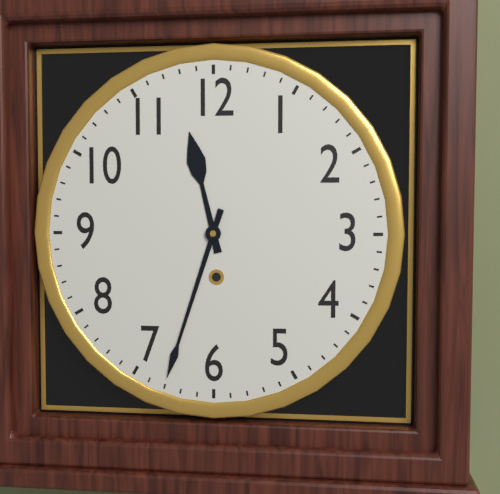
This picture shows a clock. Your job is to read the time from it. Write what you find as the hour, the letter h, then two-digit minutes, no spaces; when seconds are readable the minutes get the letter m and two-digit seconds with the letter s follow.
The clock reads 11h33
